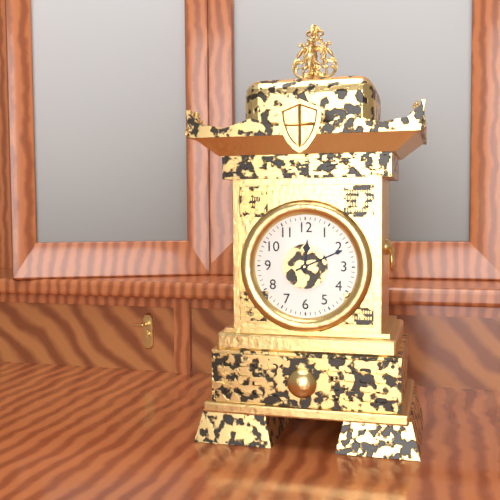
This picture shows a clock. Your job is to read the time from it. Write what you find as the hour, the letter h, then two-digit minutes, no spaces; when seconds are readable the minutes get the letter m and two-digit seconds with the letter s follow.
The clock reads 12h11
